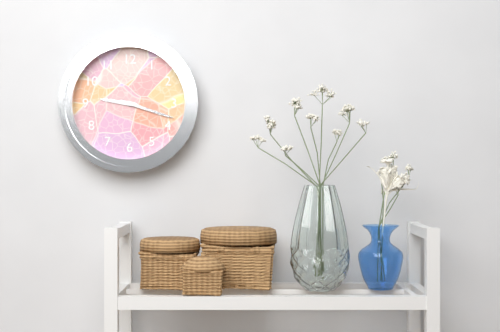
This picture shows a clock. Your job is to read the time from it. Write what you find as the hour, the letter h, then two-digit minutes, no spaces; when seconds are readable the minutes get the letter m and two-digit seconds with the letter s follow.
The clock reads 9h18
